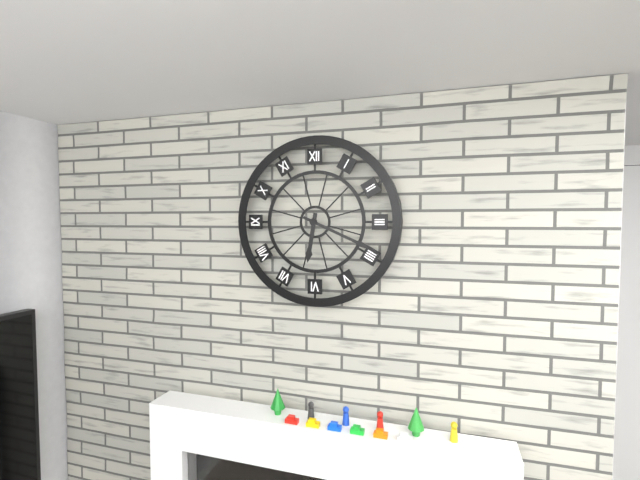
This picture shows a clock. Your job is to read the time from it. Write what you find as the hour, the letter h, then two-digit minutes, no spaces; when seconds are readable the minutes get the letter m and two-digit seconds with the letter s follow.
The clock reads 6h19
